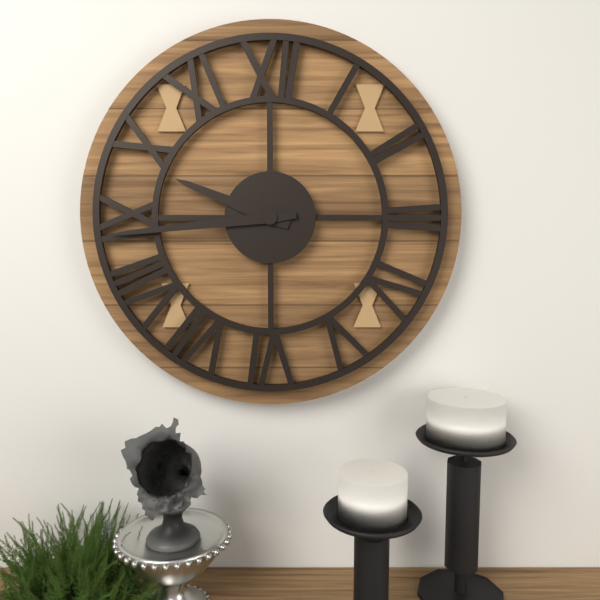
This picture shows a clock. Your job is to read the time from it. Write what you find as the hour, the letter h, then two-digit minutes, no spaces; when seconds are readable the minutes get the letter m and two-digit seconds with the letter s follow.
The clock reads 9h44
